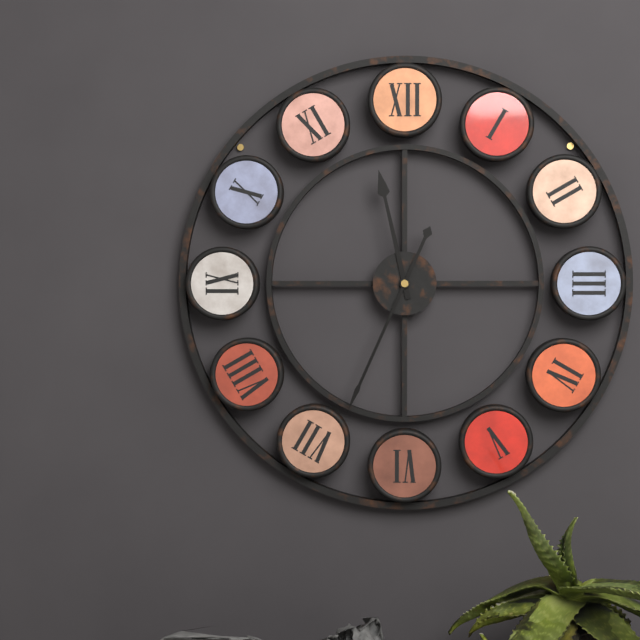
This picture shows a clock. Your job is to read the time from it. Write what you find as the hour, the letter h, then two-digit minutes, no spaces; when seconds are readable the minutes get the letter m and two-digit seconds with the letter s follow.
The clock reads 11h34
